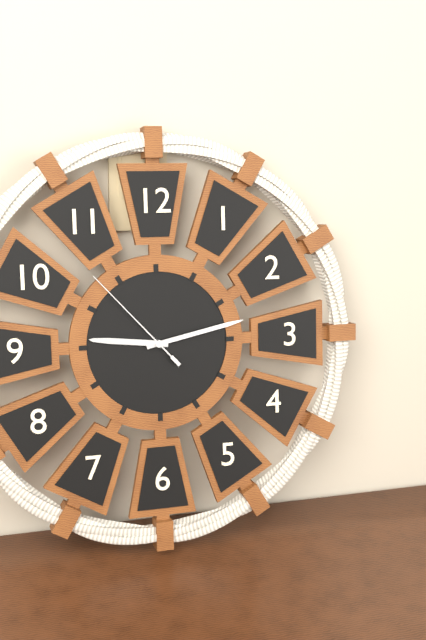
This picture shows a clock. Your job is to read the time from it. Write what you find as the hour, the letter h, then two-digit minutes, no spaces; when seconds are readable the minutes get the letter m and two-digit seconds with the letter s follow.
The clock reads 9h13m53s
